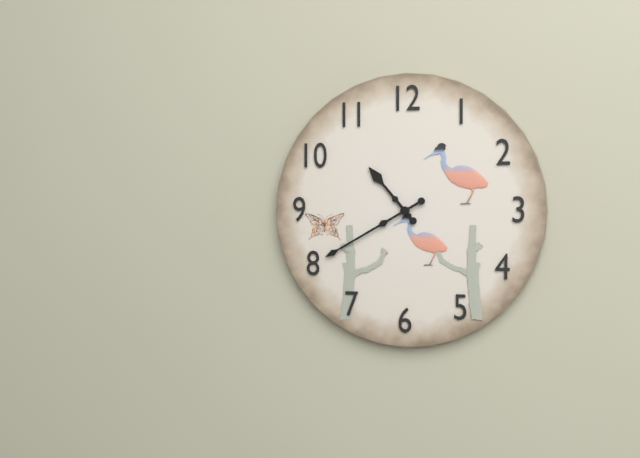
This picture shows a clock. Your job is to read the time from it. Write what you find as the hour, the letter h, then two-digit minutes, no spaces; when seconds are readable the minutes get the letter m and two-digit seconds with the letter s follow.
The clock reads 10h40
